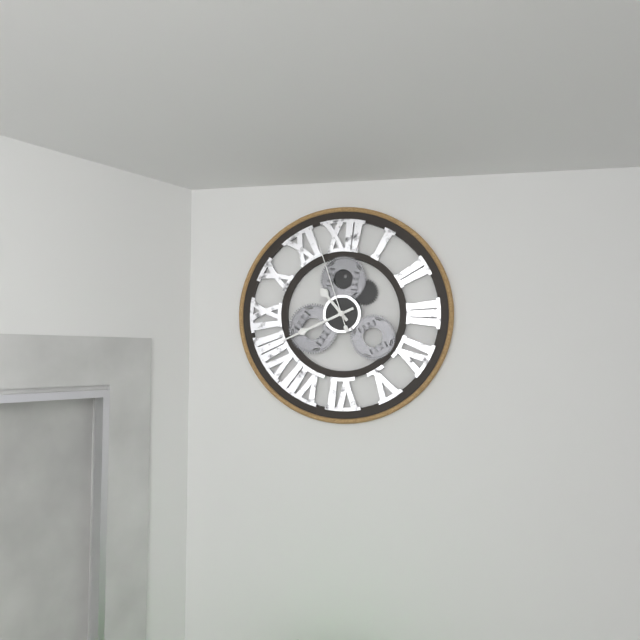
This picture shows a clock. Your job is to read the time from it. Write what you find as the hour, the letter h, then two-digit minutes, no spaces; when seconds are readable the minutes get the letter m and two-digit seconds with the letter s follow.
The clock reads 10h41m57s
